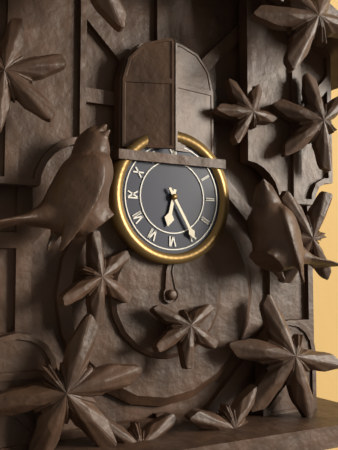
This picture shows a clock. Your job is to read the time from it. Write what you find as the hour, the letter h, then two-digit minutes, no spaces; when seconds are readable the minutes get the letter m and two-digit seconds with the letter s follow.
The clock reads 6h25
